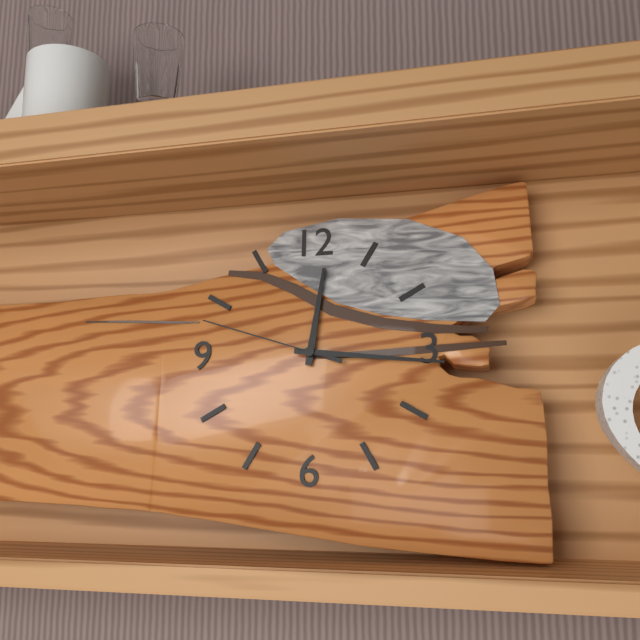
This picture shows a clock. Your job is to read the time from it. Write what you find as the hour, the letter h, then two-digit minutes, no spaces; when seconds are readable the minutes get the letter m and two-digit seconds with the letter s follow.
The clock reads 12h16m48s
